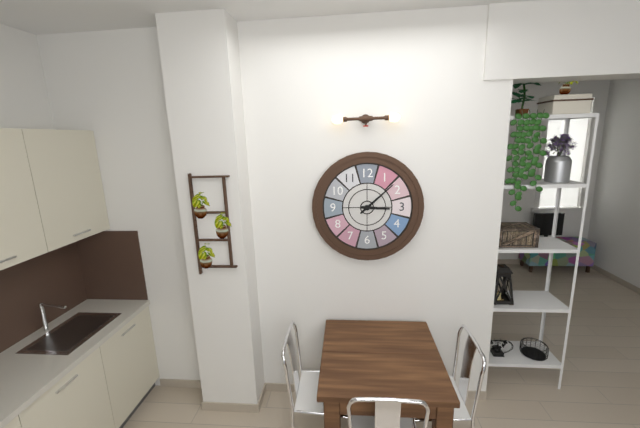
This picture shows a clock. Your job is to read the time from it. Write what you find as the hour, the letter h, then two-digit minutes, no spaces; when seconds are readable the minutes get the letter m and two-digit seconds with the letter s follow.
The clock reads 3h08
